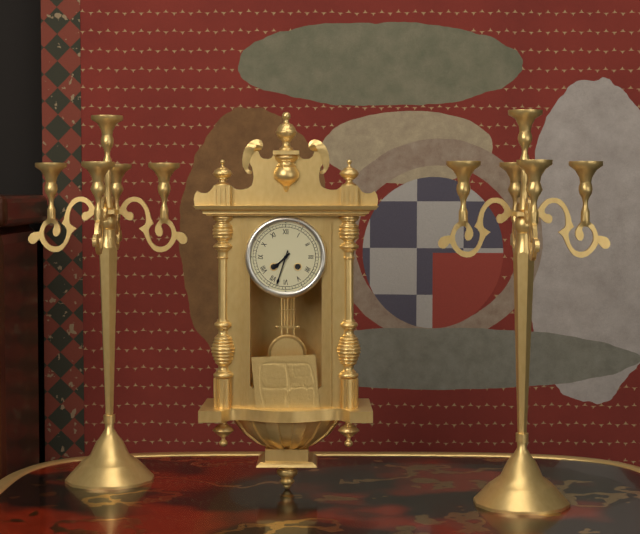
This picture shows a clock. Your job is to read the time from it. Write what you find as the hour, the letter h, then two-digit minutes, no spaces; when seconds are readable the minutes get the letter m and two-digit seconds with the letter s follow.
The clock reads 7h33
